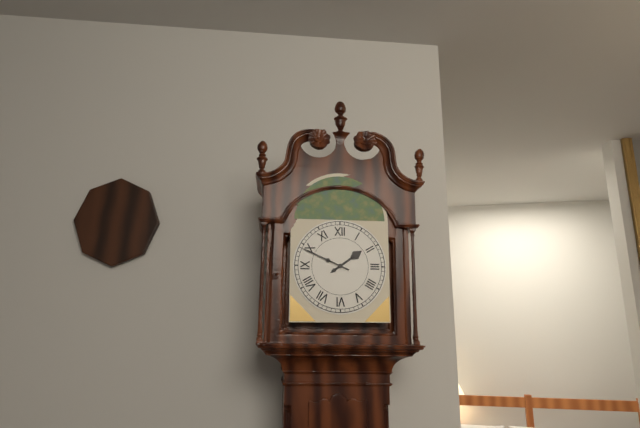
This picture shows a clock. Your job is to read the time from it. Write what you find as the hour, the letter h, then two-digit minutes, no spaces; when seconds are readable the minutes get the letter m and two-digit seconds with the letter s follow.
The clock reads 1h49
